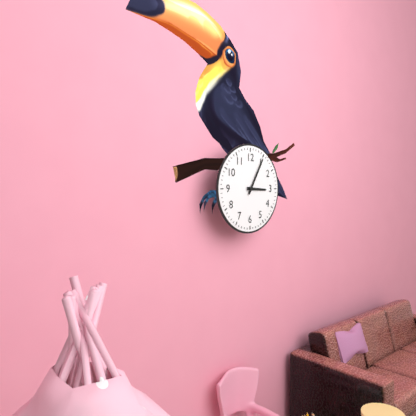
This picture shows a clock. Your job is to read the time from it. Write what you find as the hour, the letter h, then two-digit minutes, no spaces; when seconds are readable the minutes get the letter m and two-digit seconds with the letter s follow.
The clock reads 3h05
